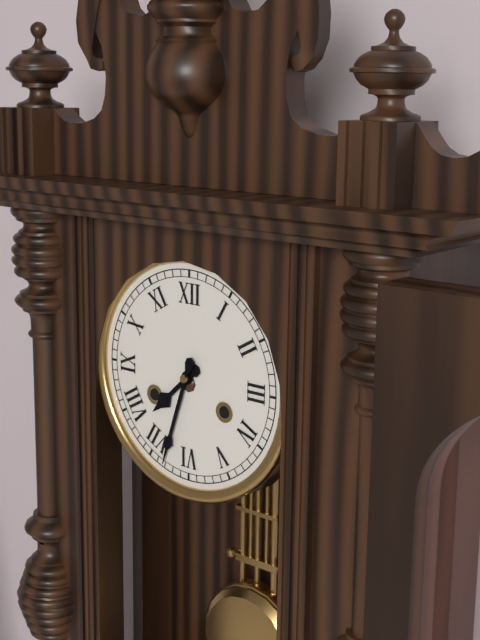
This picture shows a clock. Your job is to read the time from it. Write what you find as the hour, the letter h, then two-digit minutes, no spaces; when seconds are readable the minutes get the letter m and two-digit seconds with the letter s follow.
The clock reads 7h33
